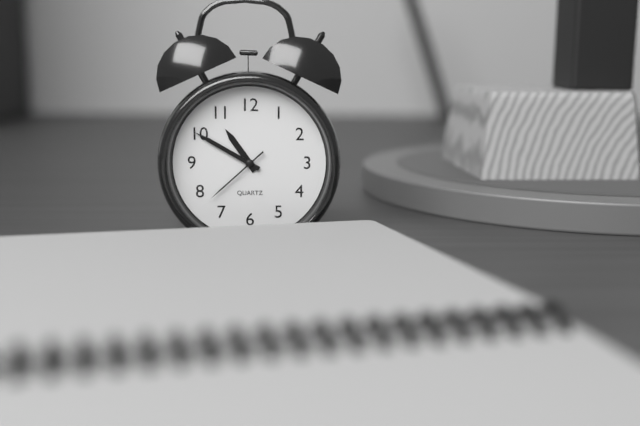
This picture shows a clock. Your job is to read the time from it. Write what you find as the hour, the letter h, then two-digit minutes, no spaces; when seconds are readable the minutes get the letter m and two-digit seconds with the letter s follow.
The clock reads 10h50m38s
